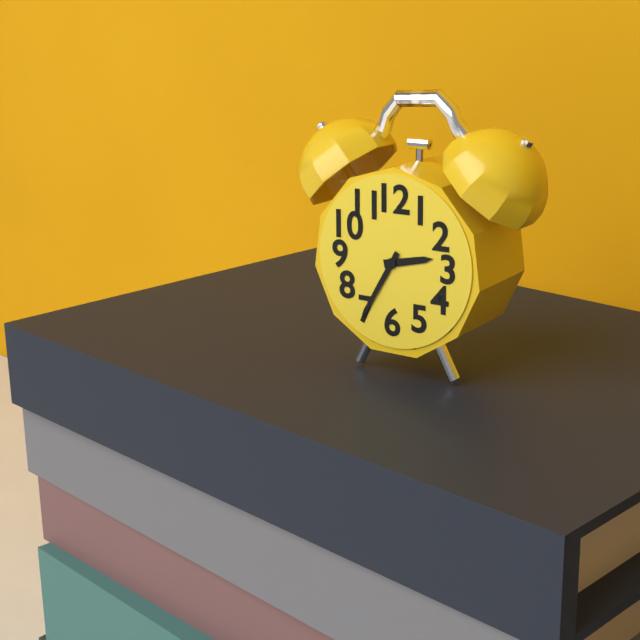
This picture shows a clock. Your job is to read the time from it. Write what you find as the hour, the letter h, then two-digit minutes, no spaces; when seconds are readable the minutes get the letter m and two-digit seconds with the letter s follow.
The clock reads 2h35
